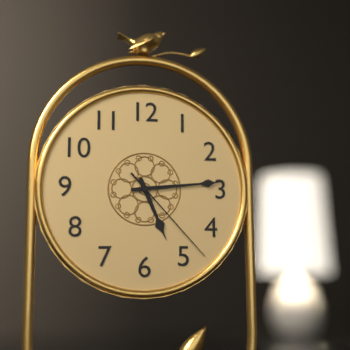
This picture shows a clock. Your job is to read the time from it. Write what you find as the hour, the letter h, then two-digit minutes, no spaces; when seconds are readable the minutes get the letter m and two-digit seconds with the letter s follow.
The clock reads 5h14m23s
